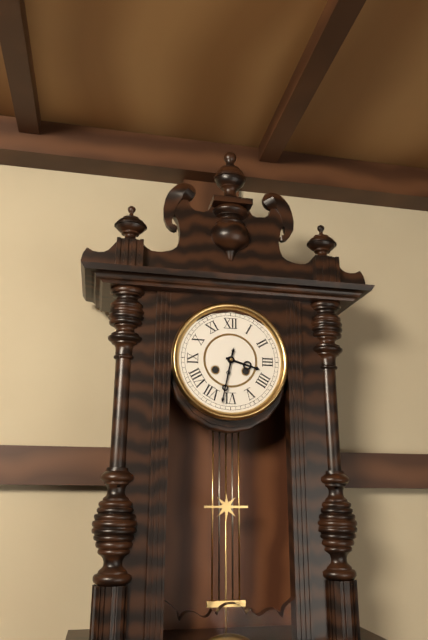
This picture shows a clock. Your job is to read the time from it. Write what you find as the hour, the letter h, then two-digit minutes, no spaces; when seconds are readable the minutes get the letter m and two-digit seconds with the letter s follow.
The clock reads 3h32
